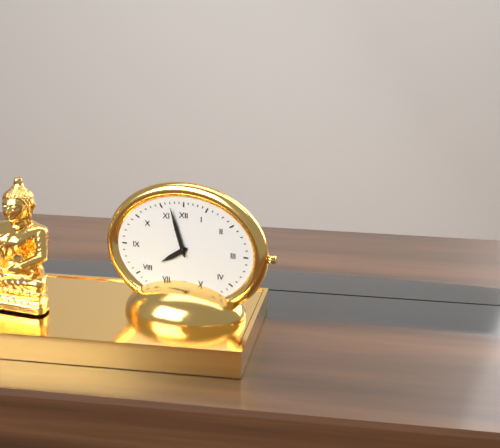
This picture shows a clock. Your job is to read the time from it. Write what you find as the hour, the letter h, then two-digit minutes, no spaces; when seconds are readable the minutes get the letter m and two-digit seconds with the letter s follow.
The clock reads 7h57
